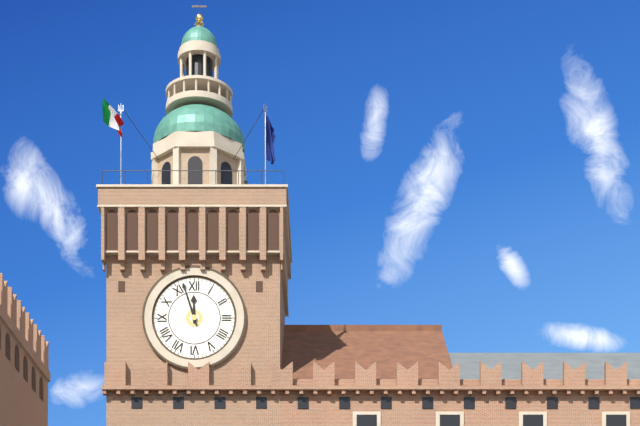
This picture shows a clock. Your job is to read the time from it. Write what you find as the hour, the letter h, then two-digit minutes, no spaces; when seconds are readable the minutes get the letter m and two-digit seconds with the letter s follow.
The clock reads 11h57
